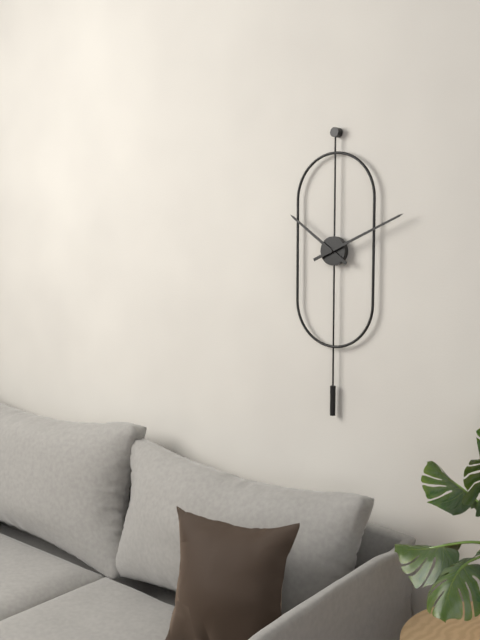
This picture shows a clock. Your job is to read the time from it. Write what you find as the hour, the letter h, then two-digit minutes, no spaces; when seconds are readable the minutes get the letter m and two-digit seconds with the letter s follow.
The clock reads 10h11
